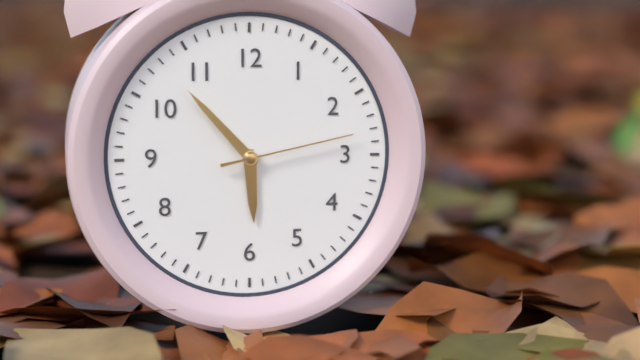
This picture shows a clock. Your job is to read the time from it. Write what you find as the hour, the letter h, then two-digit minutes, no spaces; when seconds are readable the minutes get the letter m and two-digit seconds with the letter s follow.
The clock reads 5h53m13s
